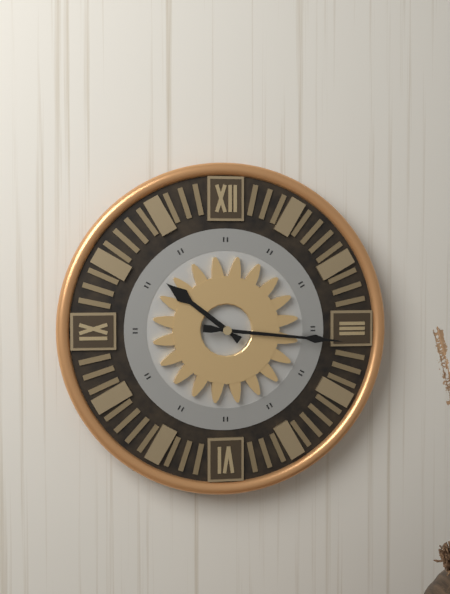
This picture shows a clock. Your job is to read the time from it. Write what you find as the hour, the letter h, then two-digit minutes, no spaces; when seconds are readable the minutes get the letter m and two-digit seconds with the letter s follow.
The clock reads 10h16
